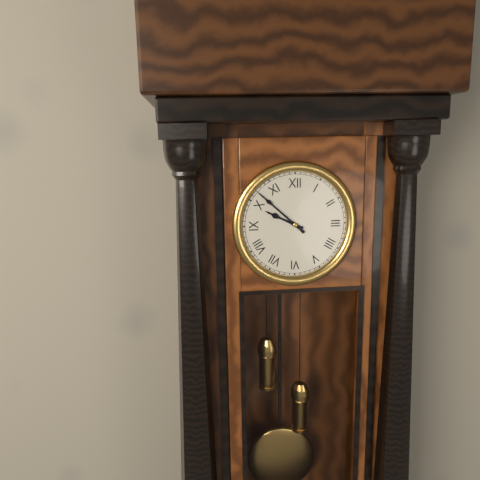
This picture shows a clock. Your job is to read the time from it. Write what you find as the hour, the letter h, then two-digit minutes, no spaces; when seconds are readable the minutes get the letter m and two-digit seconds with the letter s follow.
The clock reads 9h52
